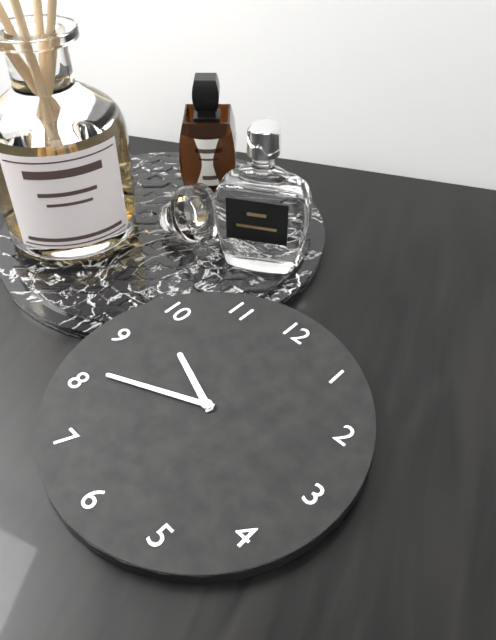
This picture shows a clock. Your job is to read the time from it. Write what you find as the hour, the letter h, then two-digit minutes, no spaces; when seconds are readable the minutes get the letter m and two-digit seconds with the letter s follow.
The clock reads 9h41
